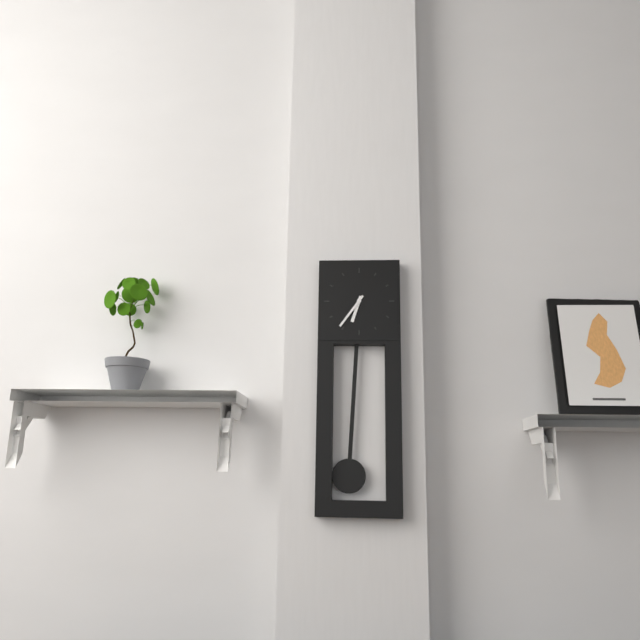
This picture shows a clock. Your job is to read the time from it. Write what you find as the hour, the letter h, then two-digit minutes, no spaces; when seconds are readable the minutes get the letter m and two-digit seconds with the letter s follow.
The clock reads 6h36
